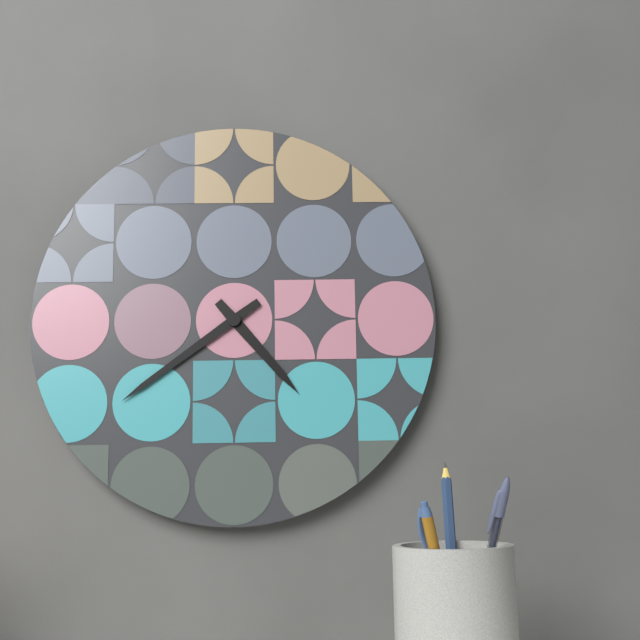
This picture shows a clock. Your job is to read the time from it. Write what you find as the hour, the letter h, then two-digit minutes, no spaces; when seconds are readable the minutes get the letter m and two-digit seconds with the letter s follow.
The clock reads 4h39
